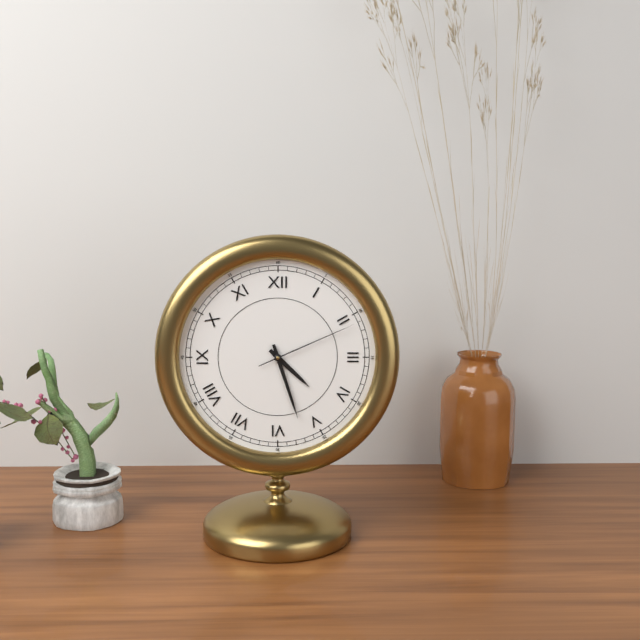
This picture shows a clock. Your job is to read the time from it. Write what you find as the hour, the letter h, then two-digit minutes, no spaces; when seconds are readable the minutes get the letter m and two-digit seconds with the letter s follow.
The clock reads 4h27m11s
